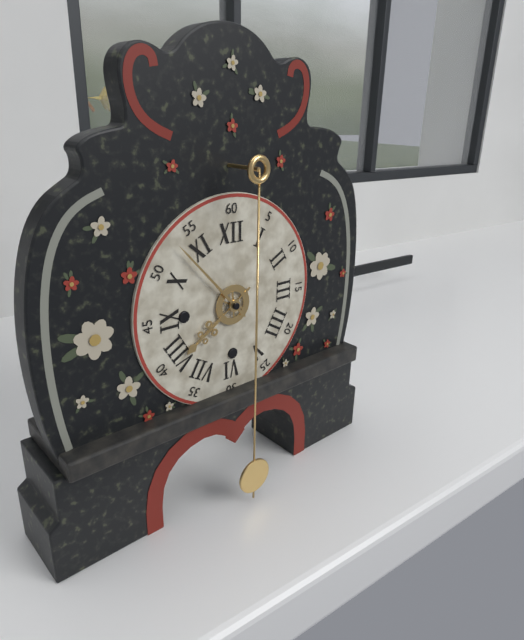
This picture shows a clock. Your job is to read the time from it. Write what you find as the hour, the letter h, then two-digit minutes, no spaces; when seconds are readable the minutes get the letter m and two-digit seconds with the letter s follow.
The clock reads 7h53
